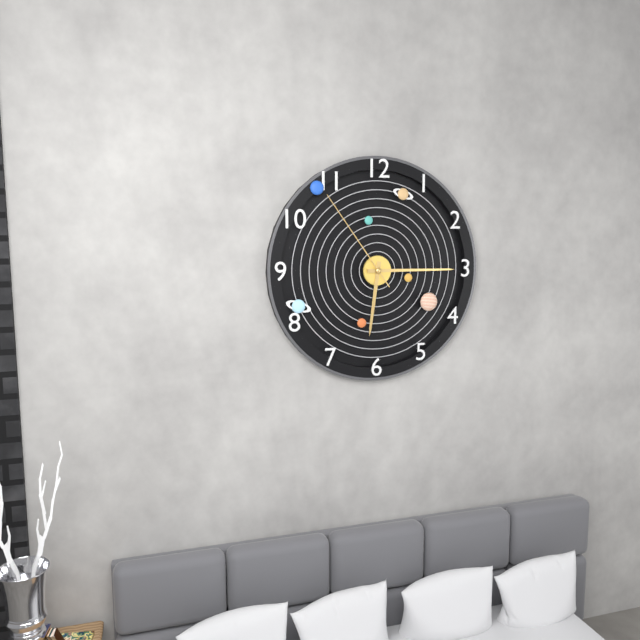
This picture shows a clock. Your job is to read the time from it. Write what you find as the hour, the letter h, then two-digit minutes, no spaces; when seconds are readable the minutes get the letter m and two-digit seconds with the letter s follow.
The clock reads 6h15m54s
